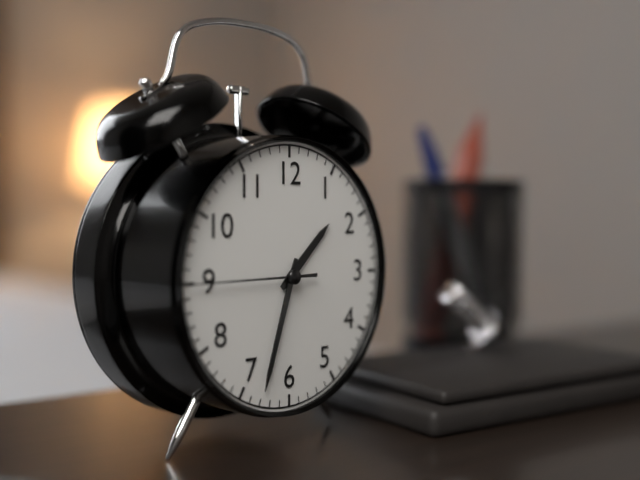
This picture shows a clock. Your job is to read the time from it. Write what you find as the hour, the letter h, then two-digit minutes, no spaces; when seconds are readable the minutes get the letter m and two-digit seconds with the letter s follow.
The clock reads 1h33m45s
